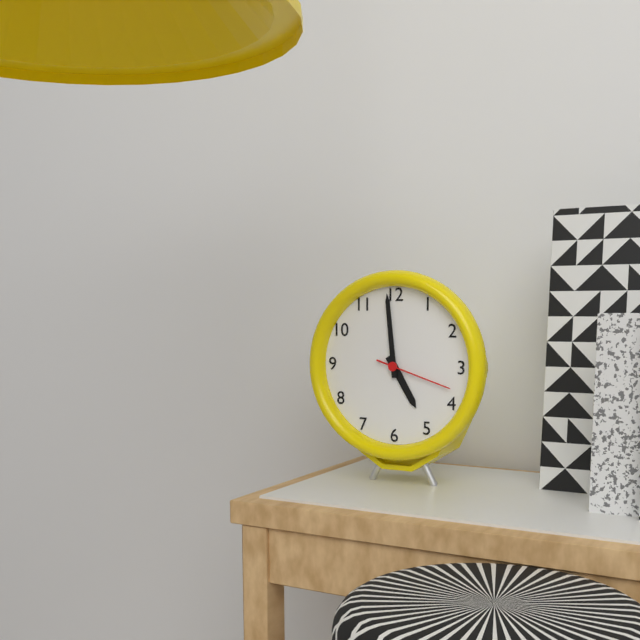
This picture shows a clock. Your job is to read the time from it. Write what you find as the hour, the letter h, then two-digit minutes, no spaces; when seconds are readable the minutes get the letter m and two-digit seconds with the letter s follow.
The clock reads 4h59m18s
